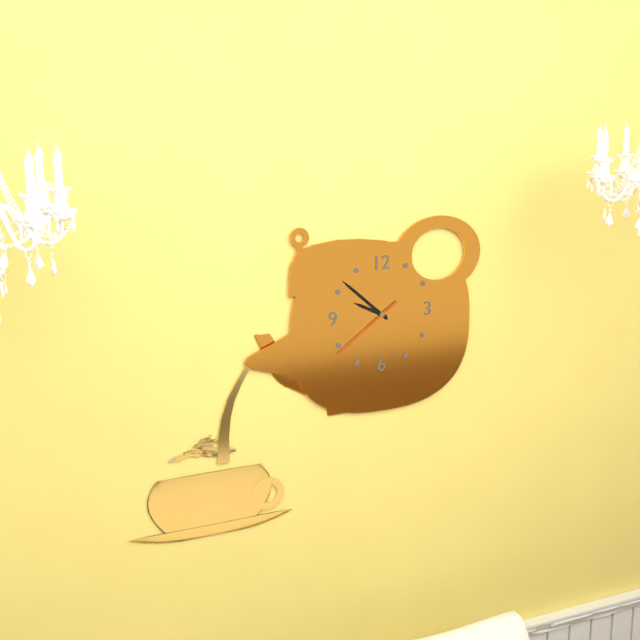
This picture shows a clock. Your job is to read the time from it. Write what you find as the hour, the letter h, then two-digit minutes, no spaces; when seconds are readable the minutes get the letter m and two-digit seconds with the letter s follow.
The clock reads 9h52m39s
